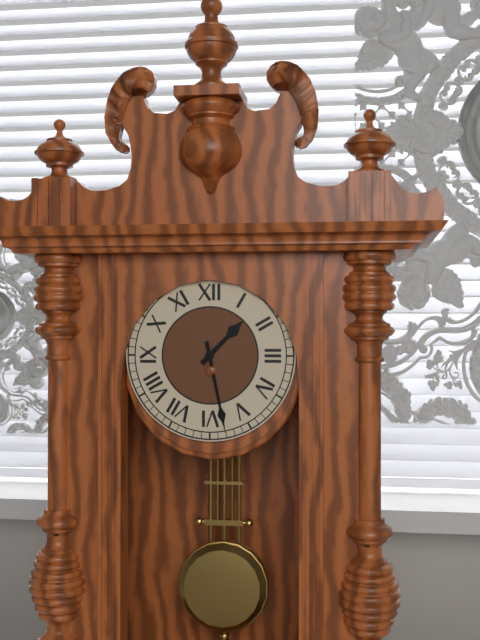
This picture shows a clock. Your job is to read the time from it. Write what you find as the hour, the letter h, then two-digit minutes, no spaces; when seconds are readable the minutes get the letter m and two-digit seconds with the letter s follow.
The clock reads 1h28
